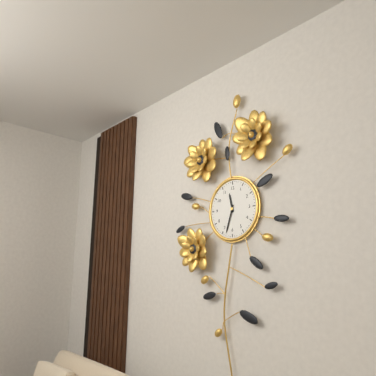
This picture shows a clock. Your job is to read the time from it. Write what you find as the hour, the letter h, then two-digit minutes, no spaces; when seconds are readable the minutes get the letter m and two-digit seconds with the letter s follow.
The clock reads 11h33
